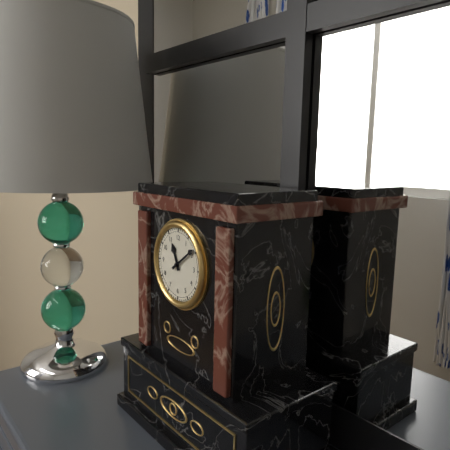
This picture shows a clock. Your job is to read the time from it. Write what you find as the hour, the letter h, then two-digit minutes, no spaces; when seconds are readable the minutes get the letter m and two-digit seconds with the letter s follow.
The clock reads 11h09
